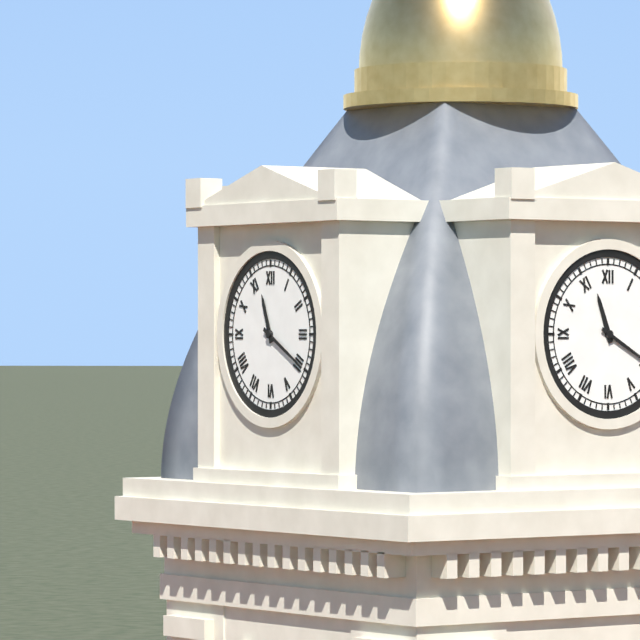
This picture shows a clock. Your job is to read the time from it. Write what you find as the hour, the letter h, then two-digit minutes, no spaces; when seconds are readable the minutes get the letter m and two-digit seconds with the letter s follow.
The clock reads 11h20
